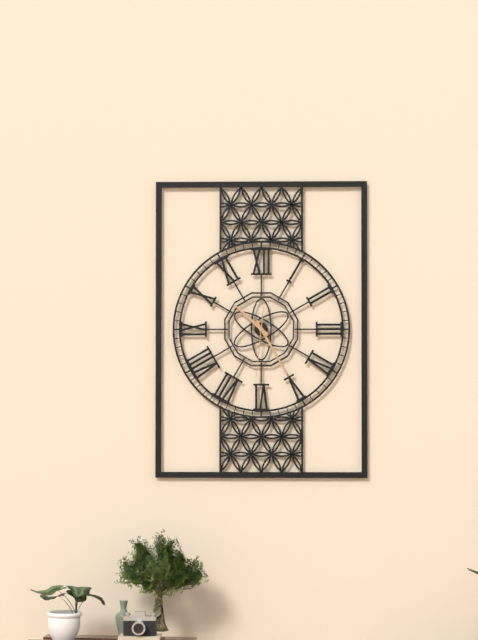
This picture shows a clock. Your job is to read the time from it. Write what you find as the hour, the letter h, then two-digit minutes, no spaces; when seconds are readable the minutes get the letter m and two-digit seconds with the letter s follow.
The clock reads 10h25m31s
